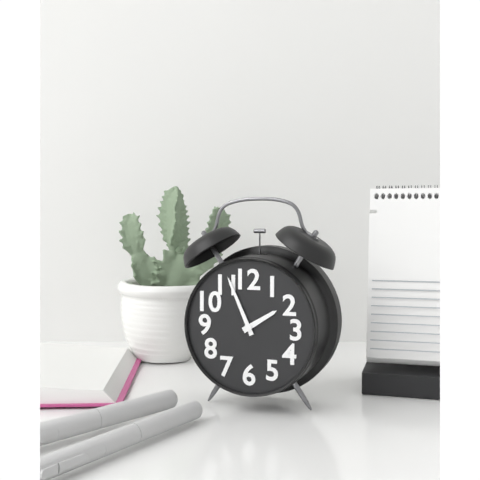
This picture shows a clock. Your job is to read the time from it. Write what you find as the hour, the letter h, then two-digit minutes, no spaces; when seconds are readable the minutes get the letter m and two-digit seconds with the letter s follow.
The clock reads 1h56
